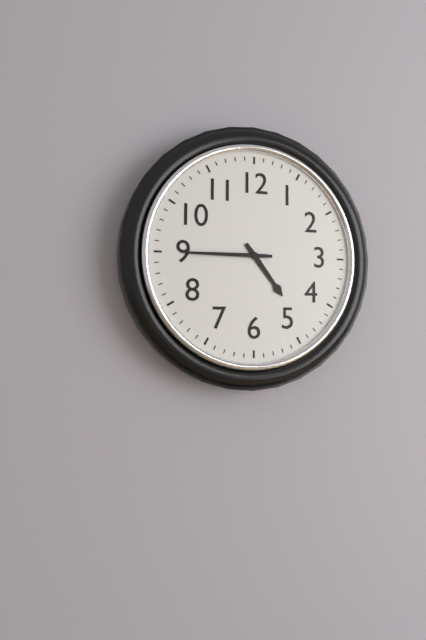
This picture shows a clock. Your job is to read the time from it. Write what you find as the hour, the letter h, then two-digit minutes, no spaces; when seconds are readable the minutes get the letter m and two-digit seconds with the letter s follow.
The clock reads 4h45
